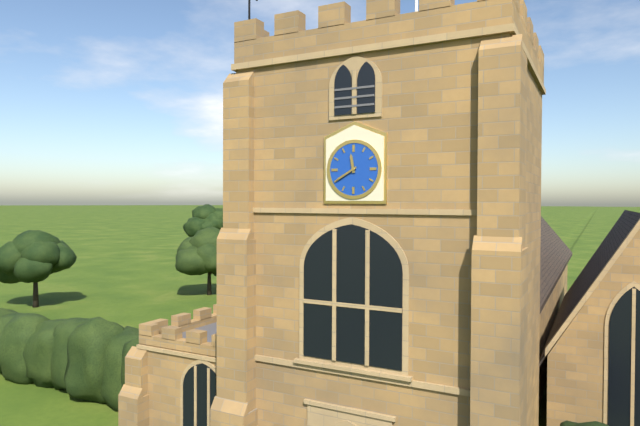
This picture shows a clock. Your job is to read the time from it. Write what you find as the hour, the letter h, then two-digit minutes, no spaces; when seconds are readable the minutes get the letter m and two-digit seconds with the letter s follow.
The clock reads 11h40
